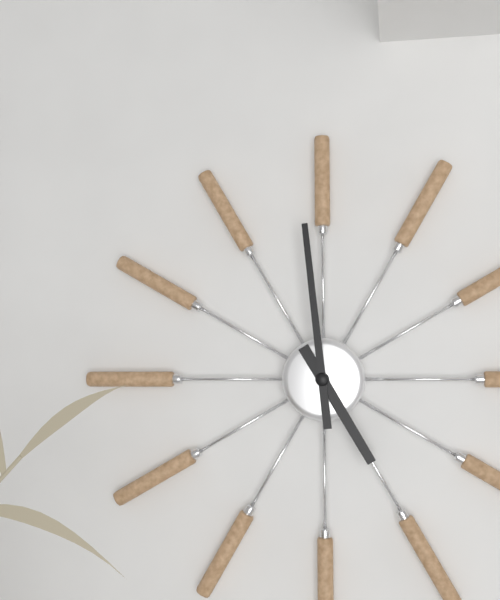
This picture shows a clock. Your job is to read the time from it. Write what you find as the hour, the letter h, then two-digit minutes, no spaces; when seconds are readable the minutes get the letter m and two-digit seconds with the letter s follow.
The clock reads 4h59
